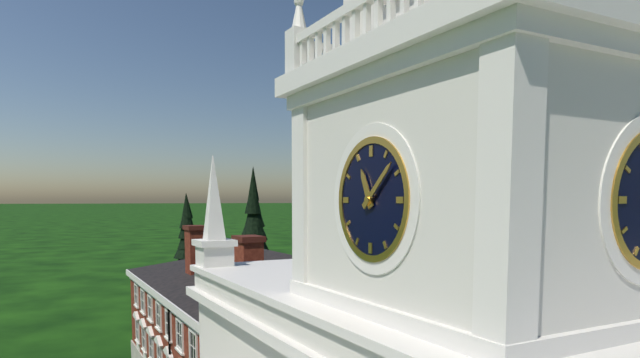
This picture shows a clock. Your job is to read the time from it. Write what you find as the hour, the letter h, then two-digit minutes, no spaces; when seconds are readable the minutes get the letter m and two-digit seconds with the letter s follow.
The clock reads 11h08
